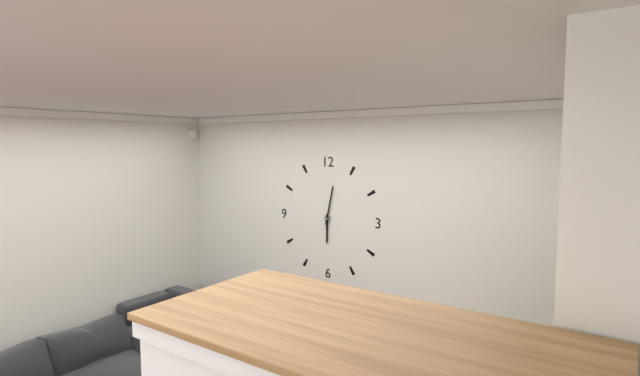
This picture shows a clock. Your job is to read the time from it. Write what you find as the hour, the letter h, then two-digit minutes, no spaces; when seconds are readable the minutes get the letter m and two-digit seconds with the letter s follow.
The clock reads 6h02
